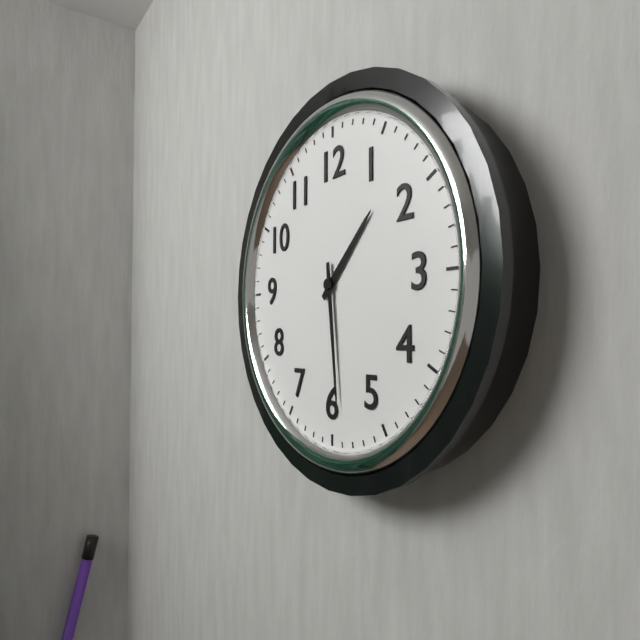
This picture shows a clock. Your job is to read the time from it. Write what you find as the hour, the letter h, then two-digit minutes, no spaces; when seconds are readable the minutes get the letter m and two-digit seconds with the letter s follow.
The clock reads 1h29
